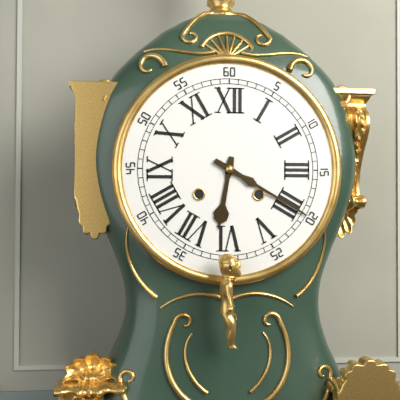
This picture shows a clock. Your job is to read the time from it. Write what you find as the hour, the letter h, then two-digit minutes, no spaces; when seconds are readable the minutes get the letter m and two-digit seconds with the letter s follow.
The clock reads 6h20
